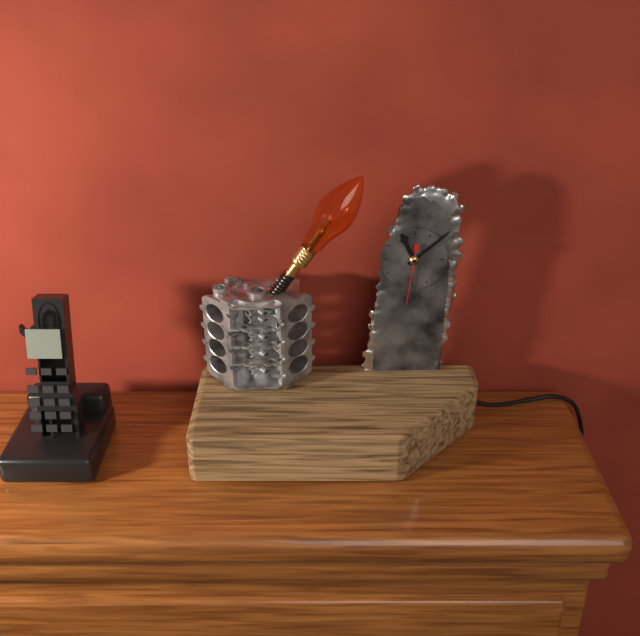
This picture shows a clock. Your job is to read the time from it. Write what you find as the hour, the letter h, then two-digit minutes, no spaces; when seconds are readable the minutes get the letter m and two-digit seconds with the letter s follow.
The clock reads 11h08m31s
